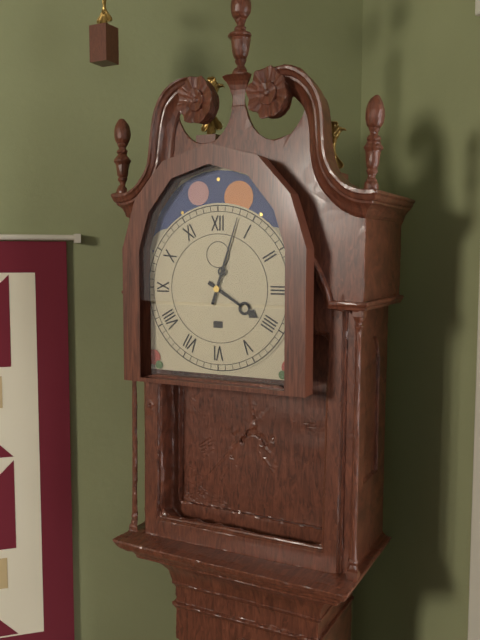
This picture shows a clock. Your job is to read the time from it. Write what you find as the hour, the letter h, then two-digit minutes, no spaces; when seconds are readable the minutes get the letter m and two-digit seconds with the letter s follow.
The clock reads 4h03
